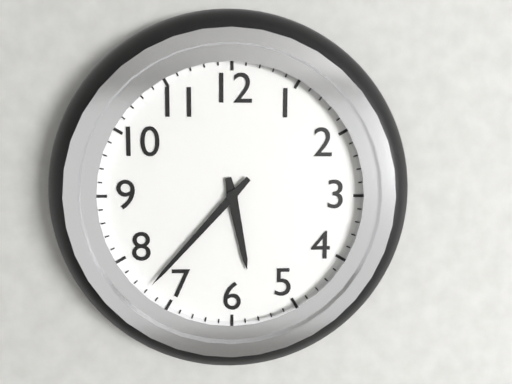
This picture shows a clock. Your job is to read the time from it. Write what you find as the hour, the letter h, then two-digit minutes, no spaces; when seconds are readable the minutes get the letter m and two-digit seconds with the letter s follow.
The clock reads 5h37
